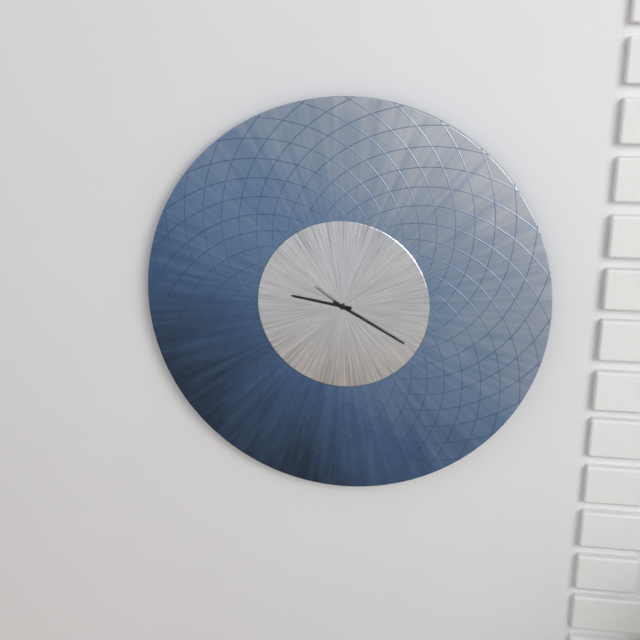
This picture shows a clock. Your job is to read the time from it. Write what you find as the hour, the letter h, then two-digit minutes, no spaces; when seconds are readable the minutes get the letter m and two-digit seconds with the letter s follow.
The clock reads 9h20
